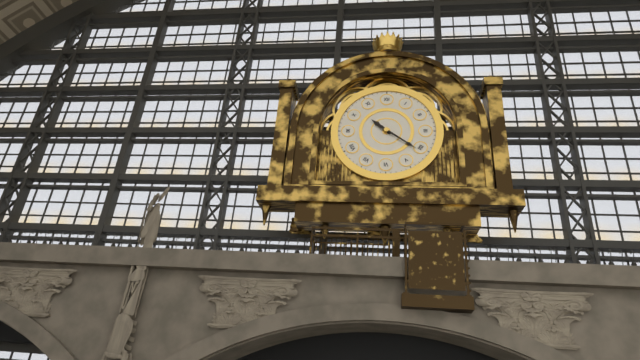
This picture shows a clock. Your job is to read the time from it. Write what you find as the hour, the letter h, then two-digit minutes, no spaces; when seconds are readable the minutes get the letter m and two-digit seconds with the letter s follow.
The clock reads 10h21
